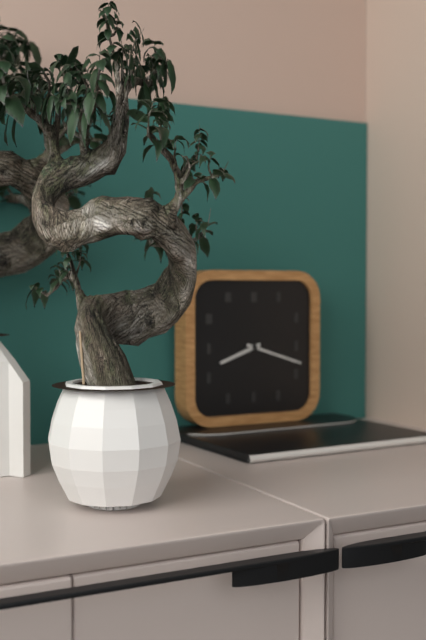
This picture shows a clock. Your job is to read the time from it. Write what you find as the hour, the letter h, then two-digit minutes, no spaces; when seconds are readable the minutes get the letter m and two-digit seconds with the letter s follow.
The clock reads 8h18
